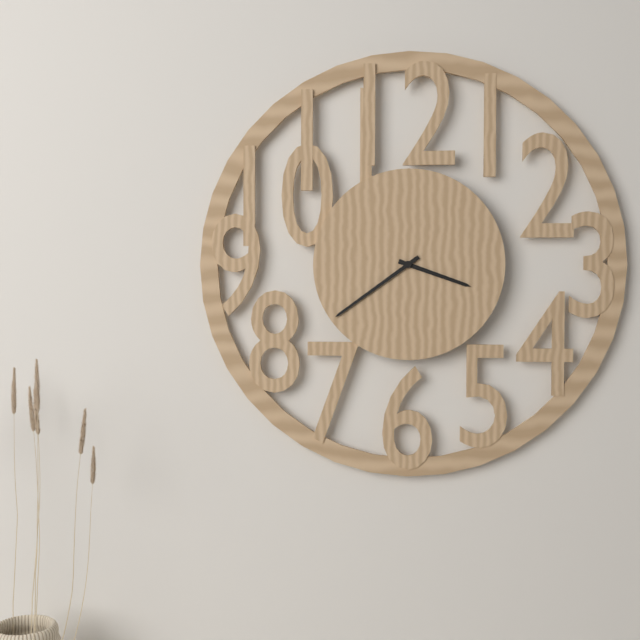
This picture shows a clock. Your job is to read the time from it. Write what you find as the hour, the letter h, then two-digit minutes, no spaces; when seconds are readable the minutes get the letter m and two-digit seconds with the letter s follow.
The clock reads 3h39
